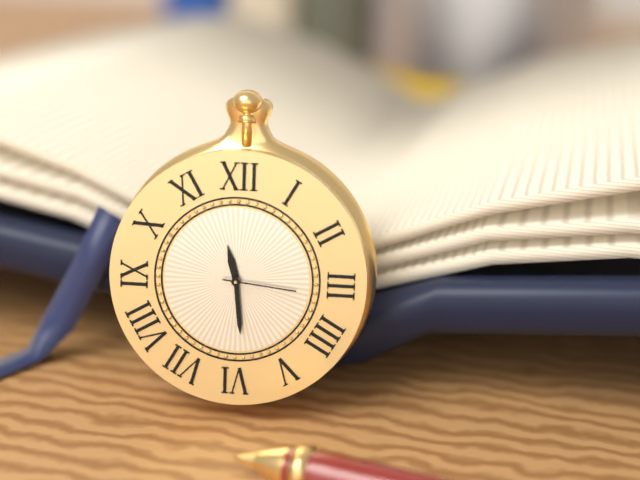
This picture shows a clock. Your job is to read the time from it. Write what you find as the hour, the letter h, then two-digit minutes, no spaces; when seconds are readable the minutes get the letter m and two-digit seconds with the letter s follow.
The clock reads 11h29m16s
